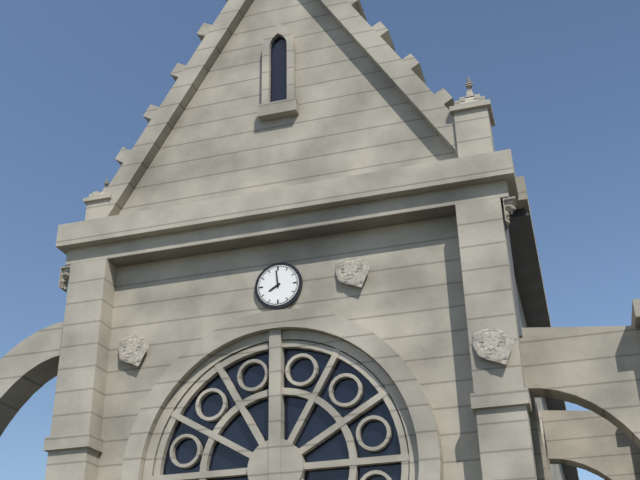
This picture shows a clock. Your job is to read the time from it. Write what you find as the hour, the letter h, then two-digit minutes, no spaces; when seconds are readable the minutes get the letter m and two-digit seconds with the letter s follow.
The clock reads 7h59
